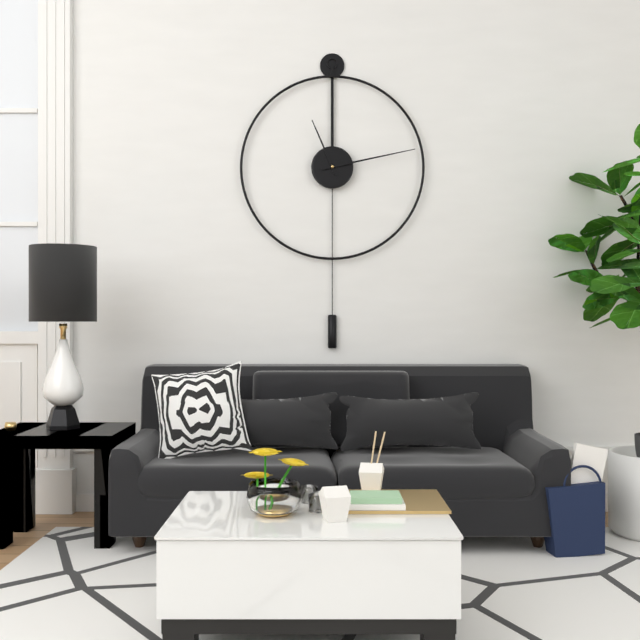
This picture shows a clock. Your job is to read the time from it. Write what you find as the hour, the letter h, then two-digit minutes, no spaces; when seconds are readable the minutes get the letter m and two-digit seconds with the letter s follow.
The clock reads 11h13
